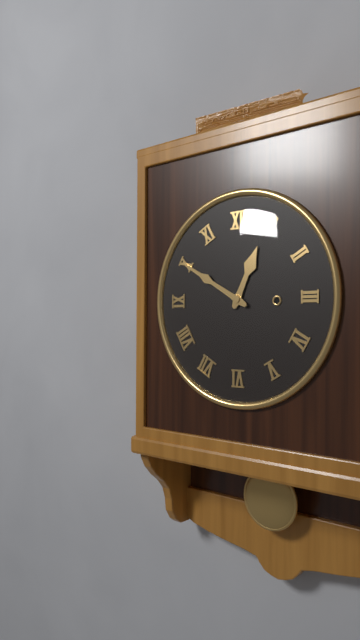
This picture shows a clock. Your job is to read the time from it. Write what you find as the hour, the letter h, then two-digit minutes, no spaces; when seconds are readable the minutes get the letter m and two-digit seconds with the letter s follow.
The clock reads 12h50
